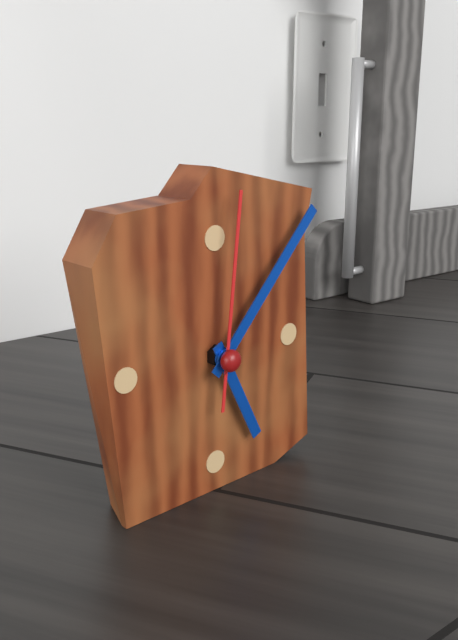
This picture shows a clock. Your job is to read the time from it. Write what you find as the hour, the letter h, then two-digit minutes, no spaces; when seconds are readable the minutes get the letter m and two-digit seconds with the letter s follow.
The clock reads 5h07m01s
